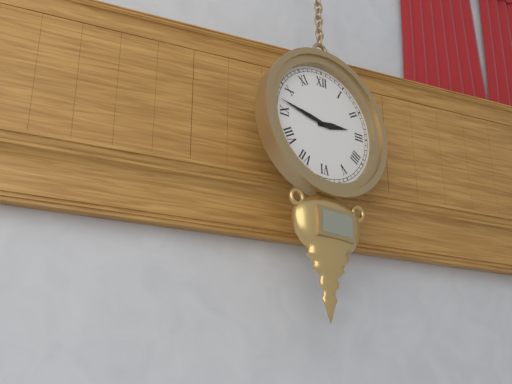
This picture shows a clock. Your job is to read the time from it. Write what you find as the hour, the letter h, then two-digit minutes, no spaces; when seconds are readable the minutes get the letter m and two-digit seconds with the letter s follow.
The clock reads 2h47
